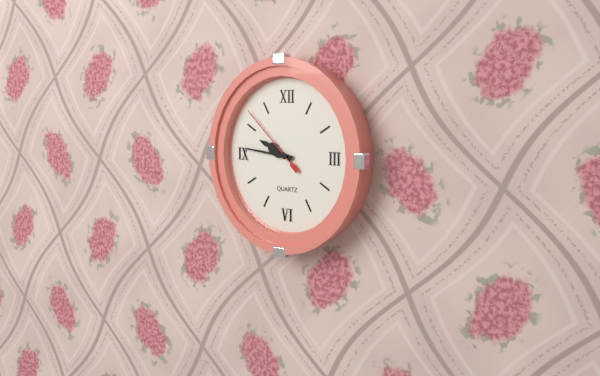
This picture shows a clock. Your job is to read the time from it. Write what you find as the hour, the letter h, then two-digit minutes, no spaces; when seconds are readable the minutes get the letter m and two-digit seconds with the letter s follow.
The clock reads 9h46m52s
